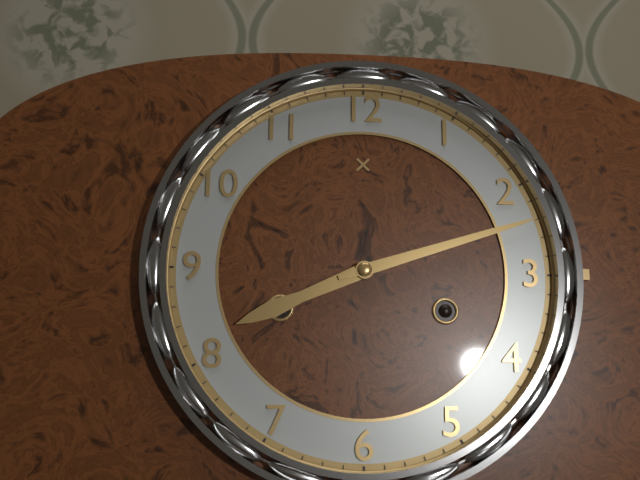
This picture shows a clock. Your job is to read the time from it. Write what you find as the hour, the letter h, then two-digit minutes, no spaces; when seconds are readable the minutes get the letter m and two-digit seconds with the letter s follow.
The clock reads 8h12
